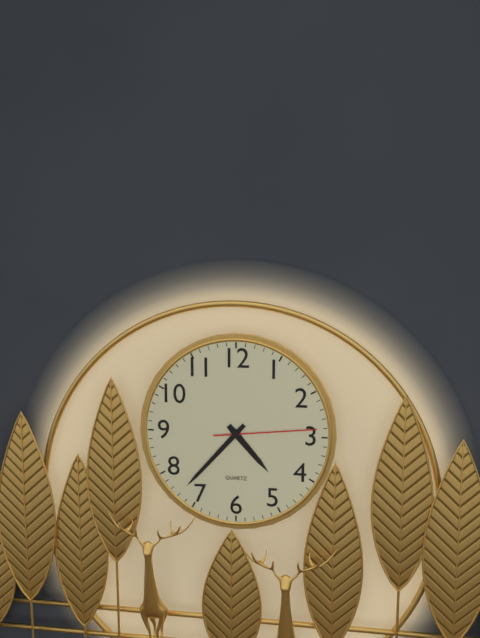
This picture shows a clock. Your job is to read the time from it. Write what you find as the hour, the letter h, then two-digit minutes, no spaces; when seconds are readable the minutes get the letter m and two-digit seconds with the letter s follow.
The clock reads 4h37m14s
